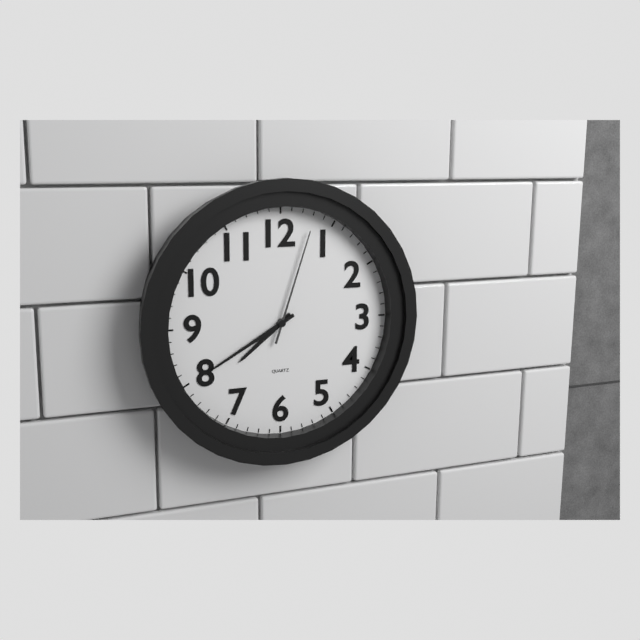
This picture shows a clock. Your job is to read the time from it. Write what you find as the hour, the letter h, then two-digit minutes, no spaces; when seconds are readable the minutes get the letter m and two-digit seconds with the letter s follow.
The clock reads 7h40m03s
